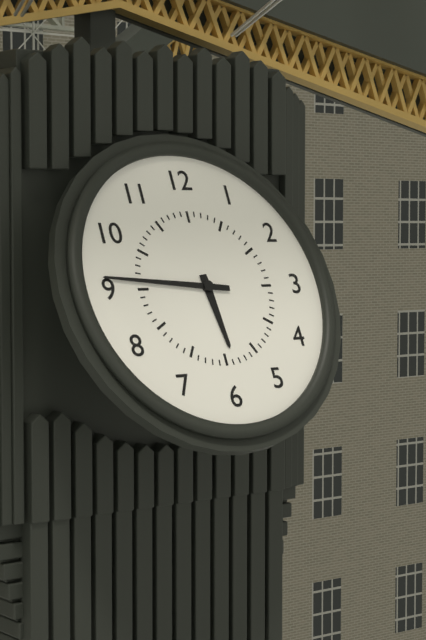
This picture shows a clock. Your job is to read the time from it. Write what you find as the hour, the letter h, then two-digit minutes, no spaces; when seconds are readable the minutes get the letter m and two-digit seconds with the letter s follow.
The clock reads 5h46
